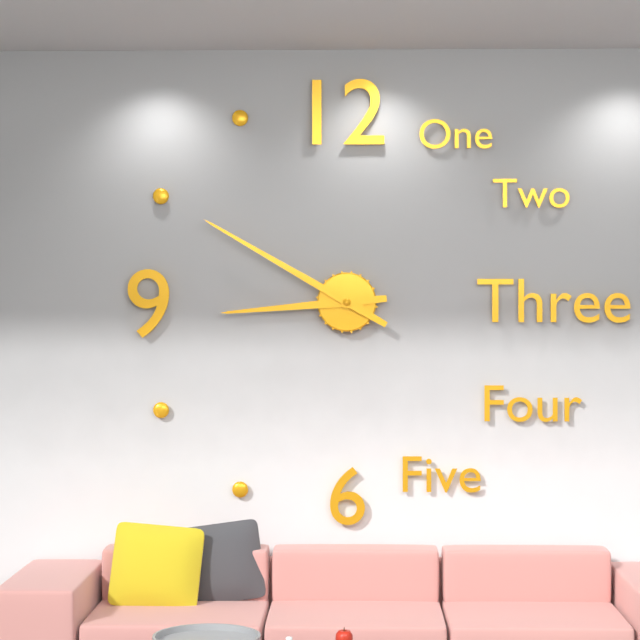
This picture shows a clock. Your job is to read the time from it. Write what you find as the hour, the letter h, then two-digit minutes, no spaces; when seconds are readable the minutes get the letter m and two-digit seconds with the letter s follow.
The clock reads 8h50
